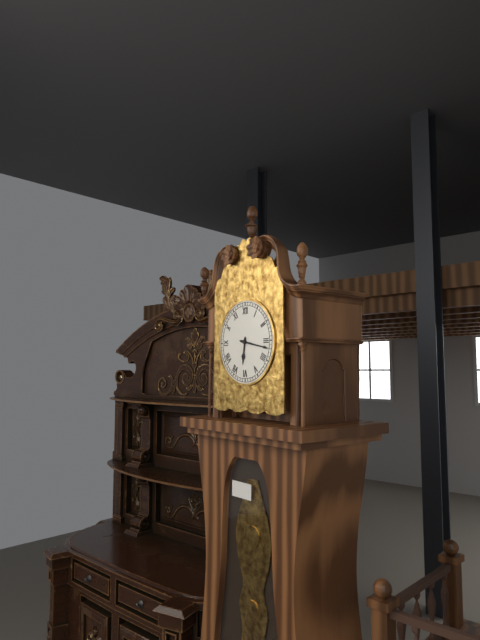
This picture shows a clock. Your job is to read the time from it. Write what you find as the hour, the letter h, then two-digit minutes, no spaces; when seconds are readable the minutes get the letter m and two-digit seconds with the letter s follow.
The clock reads 6h17
